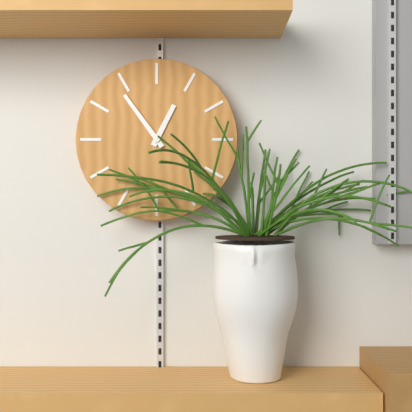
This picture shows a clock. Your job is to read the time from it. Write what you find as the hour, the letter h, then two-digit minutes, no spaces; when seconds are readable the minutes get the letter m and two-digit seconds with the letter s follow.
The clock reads 12h54
